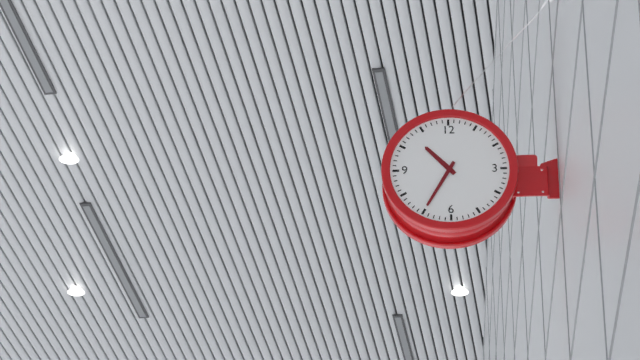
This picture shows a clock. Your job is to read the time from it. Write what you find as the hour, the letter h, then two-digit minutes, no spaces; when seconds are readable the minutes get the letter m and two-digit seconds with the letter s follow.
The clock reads 10h35
